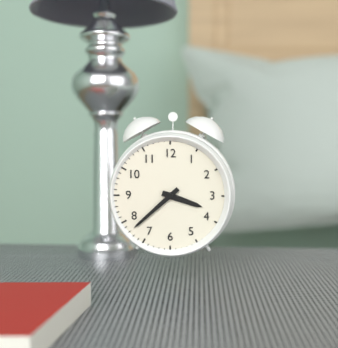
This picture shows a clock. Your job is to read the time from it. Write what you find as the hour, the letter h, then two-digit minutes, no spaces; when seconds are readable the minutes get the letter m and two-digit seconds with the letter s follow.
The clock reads 3h38
